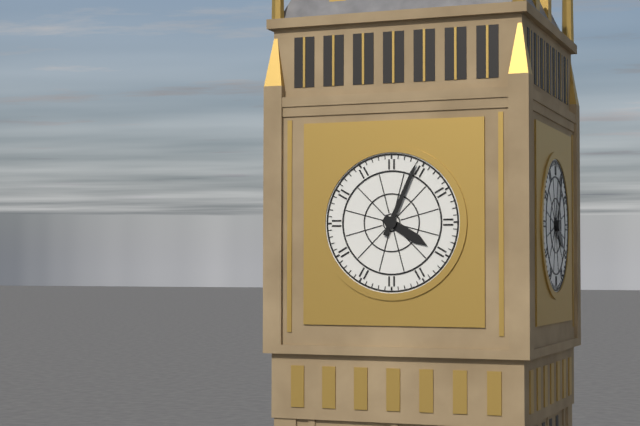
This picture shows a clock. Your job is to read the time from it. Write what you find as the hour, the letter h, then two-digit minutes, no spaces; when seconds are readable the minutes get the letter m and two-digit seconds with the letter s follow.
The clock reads 4h04
